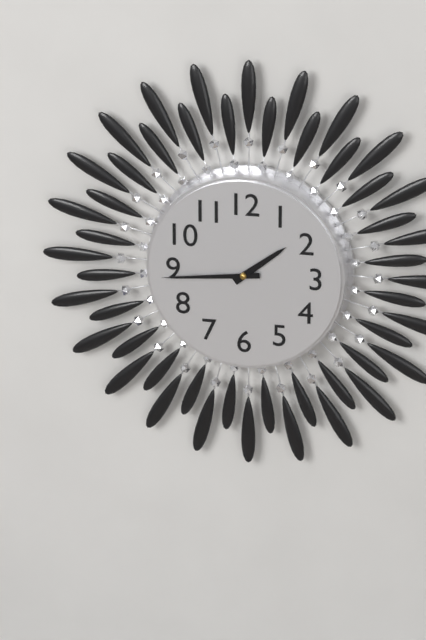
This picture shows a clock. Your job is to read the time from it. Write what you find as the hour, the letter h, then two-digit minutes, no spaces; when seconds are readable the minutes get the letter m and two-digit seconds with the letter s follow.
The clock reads 1h44
